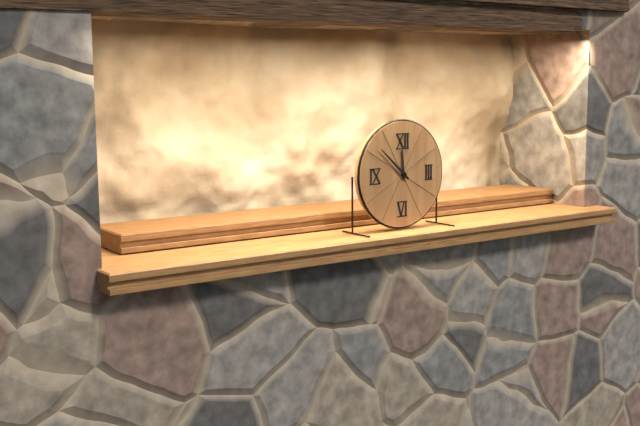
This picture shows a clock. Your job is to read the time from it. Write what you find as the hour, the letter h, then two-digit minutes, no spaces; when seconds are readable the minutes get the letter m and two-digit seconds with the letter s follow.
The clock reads 11h52
